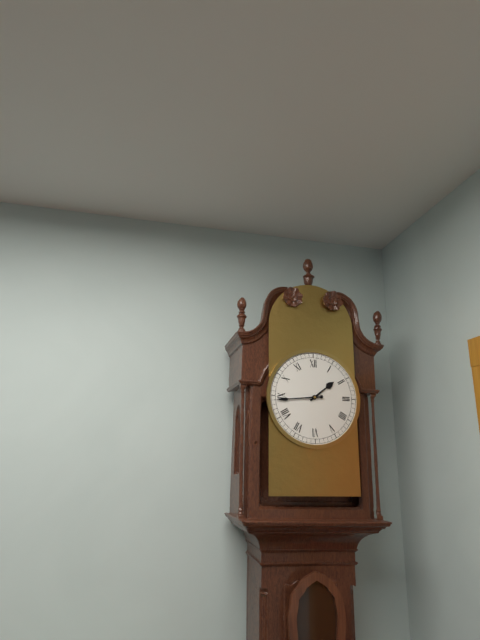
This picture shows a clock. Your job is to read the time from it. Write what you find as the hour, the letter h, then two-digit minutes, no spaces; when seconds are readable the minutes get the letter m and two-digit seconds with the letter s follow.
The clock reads 1h44
